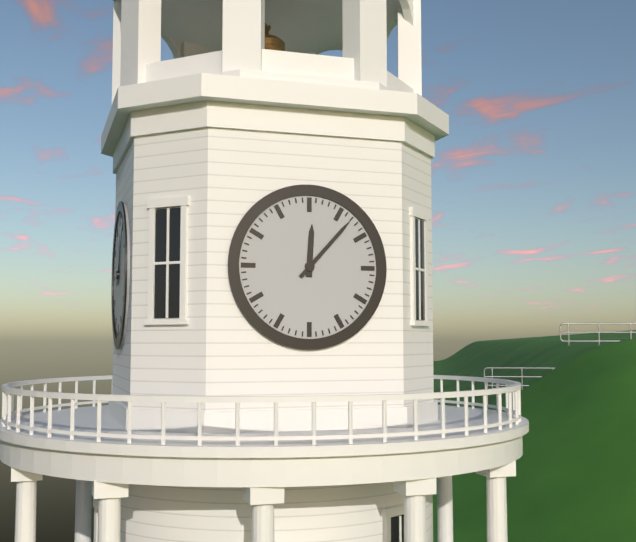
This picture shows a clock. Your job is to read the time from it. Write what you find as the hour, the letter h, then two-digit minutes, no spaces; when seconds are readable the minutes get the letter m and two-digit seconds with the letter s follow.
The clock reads 12h07
